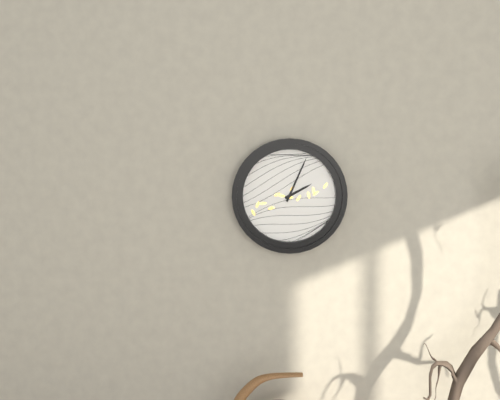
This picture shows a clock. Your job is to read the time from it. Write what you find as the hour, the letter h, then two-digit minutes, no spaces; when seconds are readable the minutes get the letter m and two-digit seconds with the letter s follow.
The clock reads 2h04
